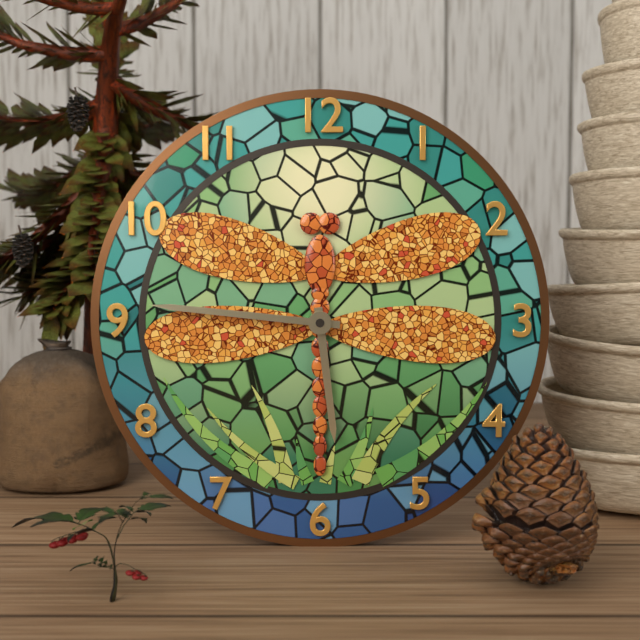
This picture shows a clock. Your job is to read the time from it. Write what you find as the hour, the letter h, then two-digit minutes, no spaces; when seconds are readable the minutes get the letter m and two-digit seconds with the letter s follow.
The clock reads 5h46
